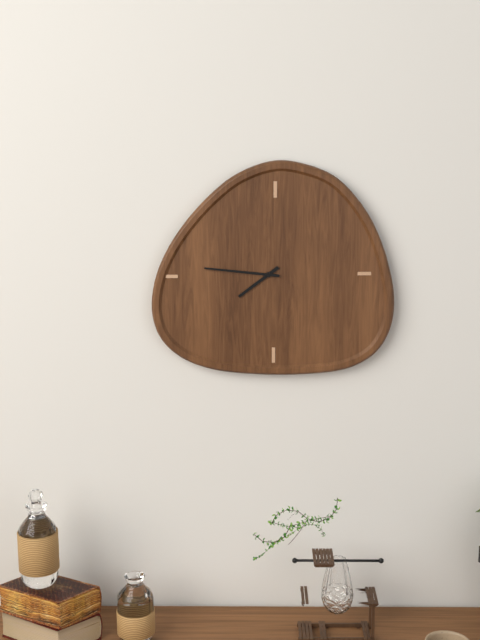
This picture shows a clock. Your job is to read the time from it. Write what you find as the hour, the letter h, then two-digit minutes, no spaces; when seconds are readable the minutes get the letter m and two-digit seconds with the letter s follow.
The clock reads 7h46
